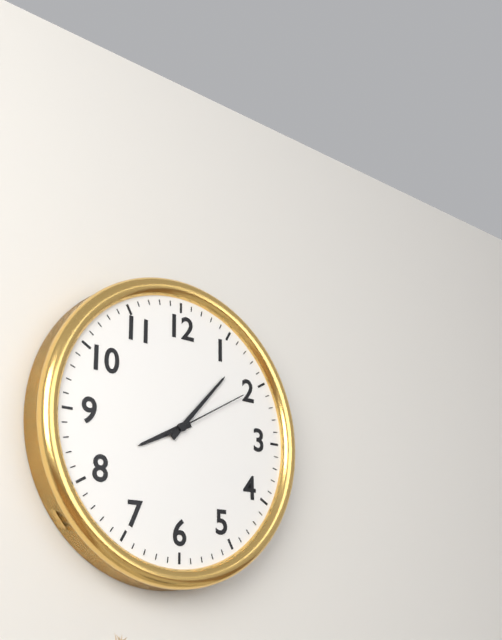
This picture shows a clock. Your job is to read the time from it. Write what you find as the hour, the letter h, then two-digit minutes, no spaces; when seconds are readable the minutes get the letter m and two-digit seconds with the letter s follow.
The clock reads 8h07m10s
